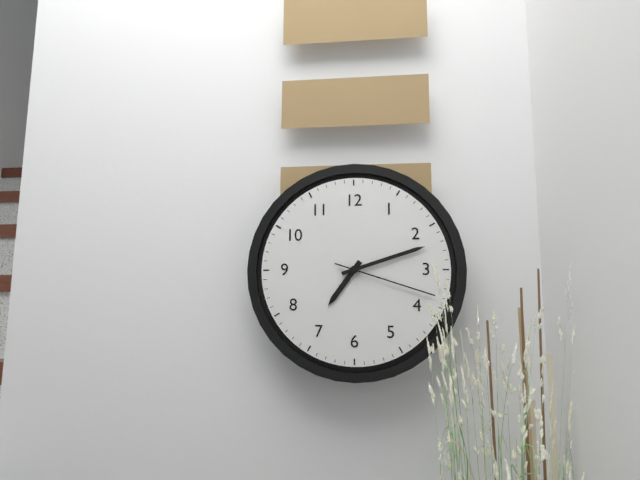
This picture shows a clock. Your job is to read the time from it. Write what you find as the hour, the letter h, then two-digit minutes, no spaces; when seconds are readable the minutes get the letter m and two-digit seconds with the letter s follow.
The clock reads 7h12m18s
